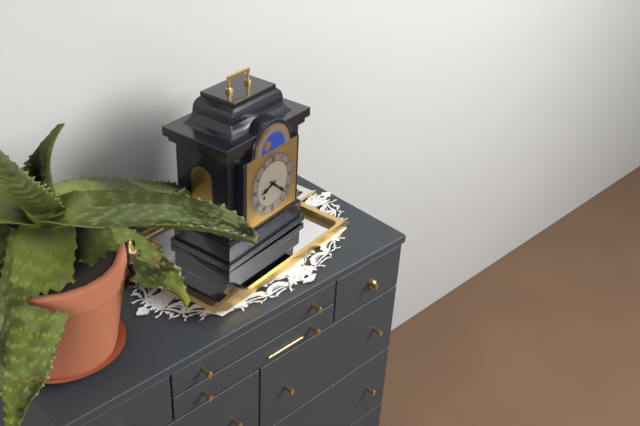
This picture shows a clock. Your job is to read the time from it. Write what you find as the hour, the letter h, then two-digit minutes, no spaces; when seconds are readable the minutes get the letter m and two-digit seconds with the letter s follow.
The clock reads 8h22
